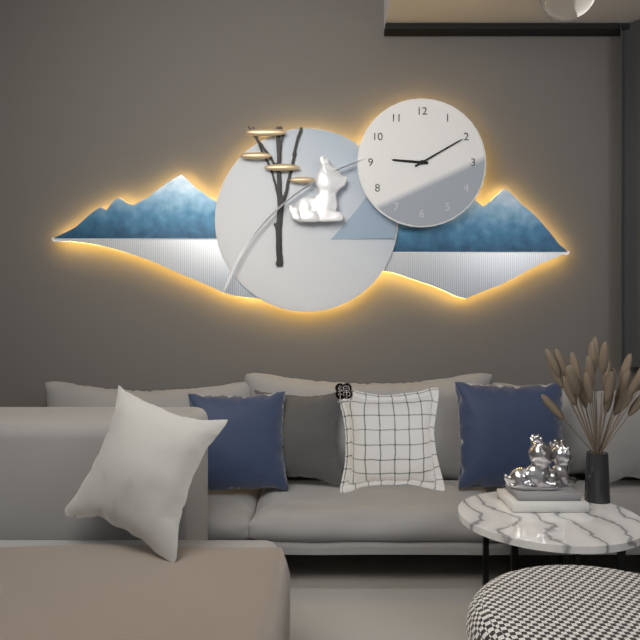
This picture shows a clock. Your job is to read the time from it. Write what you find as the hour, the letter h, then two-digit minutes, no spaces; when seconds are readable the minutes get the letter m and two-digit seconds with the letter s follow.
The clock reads 9h10
